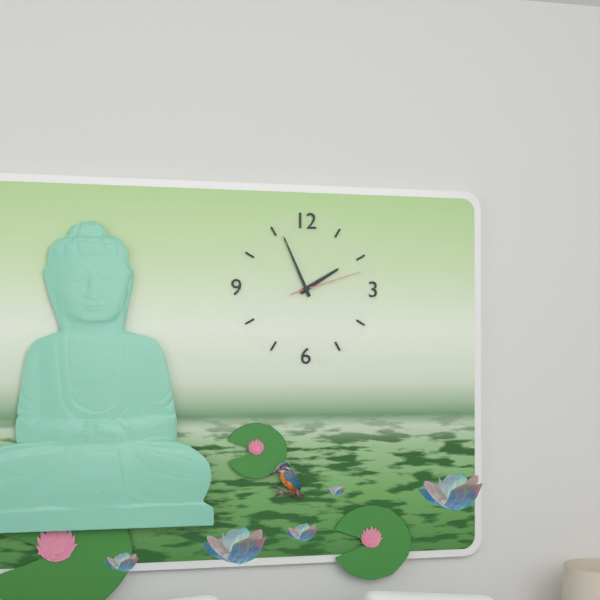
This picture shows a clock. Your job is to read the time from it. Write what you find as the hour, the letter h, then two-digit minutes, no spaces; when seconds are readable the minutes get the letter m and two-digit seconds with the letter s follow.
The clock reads 1h56m12s
